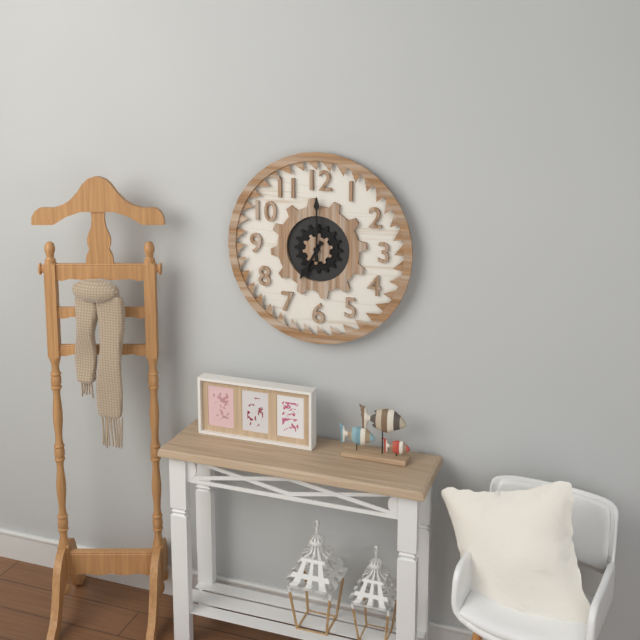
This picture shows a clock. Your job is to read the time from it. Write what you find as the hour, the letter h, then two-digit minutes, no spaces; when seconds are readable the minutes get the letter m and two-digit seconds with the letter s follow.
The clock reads 7h00
